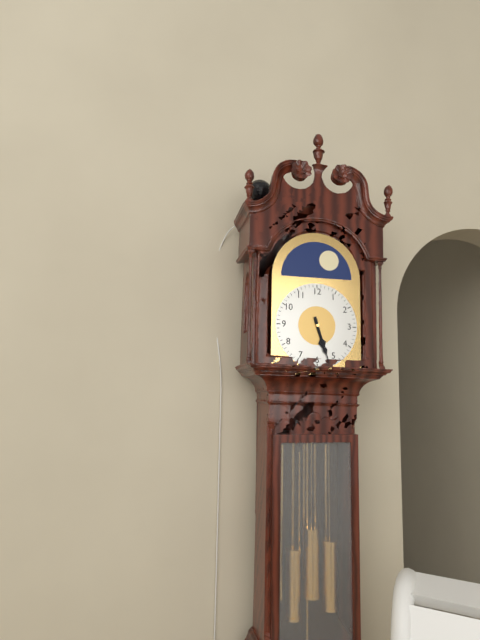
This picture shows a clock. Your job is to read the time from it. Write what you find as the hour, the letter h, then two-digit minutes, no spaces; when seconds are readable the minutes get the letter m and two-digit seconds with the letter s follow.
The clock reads 5h27
